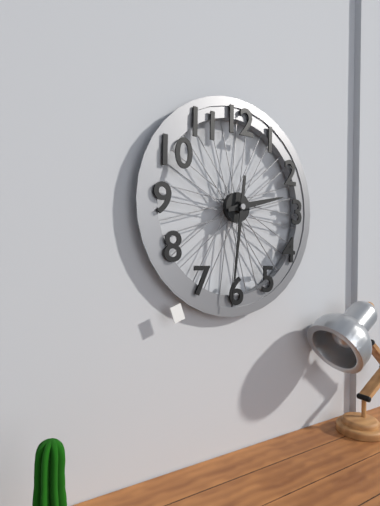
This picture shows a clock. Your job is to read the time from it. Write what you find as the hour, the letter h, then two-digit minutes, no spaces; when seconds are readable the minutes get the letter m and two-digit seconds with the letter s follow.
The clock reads 2h31
